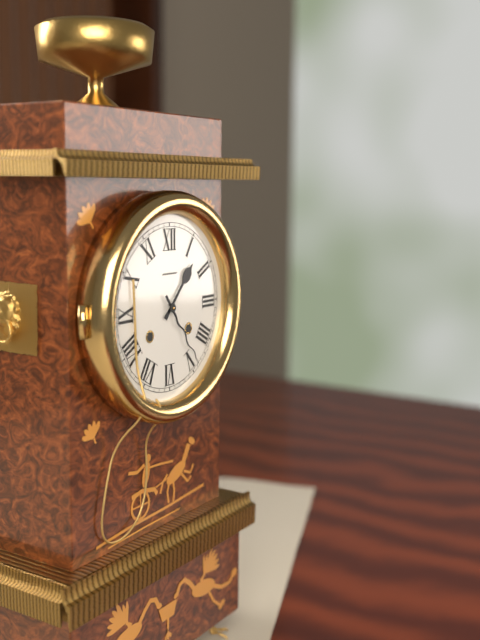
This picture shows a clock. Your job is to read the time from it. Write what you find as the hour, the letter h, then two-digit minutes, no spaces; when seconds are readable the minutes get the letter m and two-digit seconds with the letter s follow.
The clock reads 1h24
